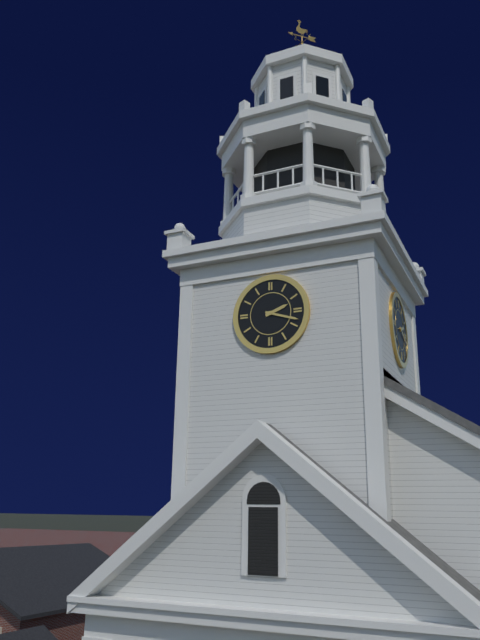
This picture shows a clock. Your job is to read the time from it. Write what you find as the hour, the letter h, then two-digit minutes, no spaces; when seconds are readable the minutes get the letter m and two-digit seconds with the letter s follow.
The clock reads 2h18
